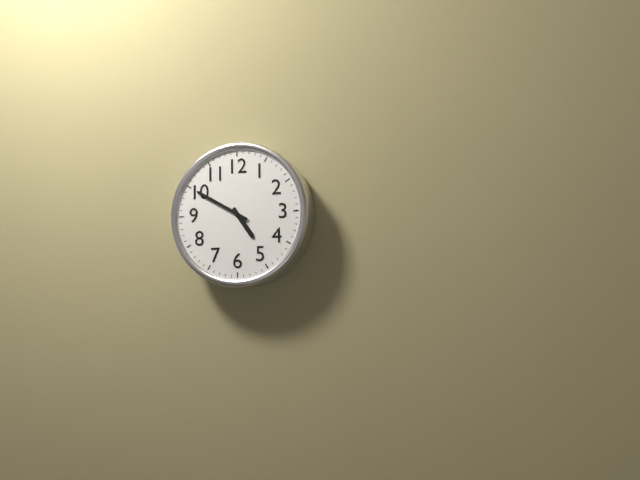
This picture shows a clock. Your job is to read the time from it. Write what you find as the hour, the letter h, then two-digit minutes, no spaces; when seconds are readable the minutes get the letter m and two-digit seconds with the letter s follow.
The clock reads 4h50
